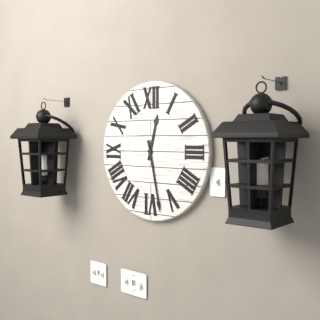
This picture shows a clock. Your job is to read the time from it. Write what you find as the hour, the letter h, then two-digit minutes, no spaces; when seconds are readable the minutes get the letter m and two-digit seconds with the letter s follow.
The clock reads 12h28
